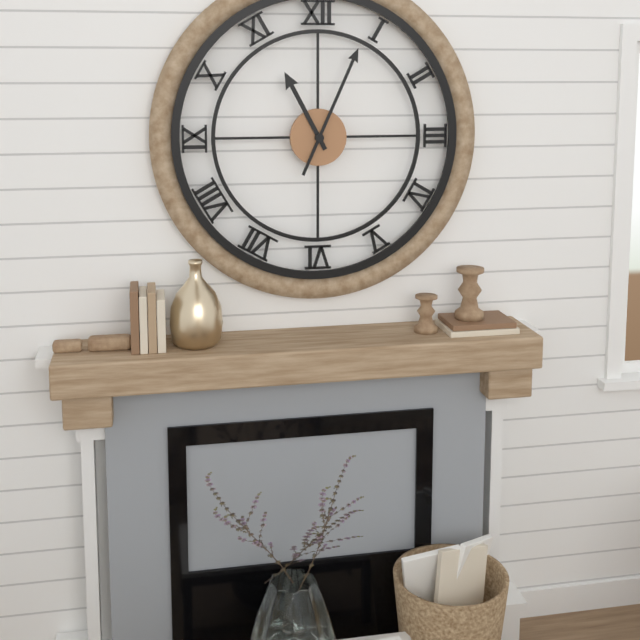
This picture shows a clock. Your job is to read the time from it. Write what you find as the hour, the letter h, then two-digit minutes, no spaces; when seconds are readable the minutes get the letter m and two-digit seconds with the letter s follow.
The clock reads 11h04
